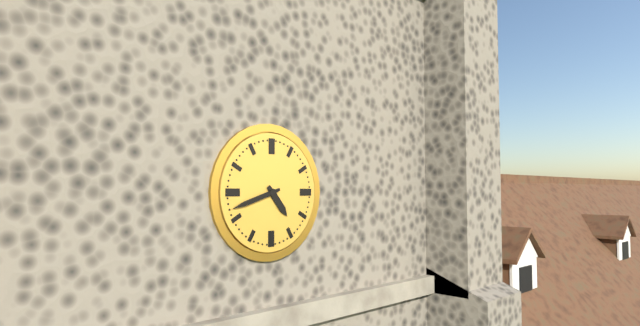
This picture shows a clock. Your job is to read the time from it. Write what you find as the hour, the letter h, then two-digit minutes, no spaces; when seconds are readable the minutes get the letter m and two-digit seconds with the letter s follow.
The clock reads 4h42
